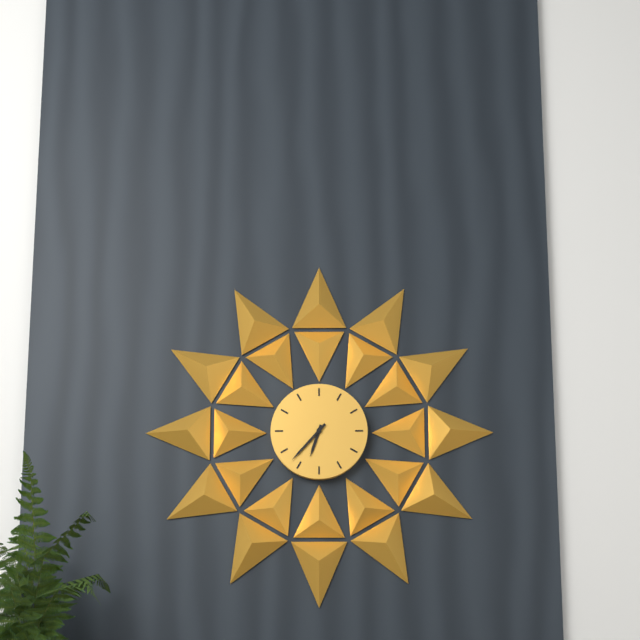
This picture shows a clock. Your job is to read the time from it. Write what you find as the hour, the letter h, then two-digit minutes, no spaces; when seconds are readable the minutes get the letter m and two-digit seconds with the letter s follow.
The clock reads 6h37
